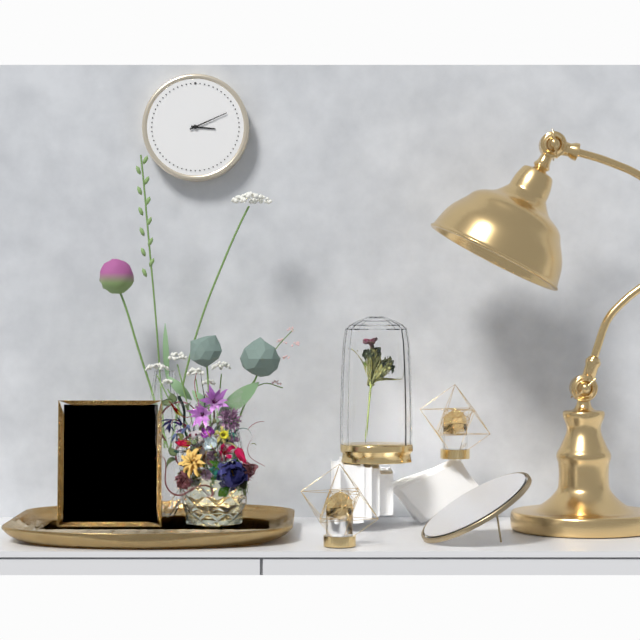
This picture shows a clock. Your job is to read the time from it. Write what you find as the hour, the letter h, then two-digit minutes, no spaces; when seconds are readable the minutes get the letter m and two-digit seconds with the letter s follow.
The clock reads 3h11
